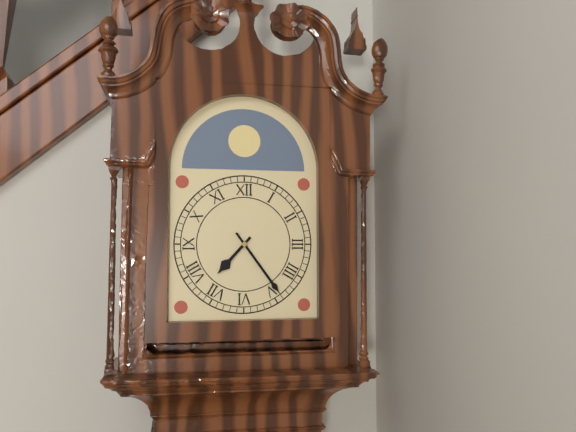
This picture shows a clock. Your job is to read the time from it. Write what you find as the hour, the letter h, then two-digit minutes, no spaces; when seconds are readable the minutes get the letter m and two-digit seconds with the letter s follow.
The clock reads 7h24
